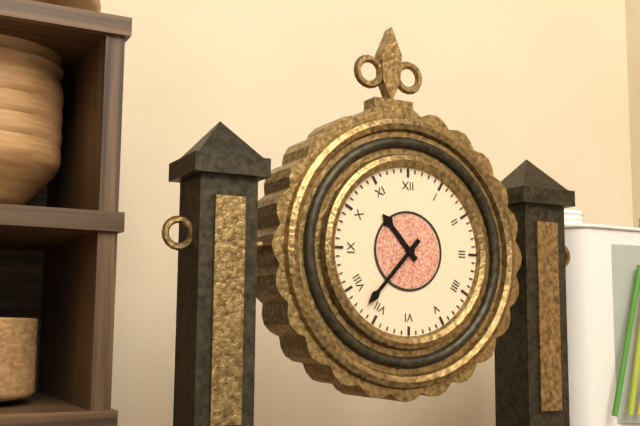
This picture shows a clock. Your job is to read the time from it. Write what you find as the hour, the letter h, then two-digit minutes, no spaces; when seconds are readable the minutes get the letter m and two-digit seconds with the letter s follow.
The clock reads 10h37
